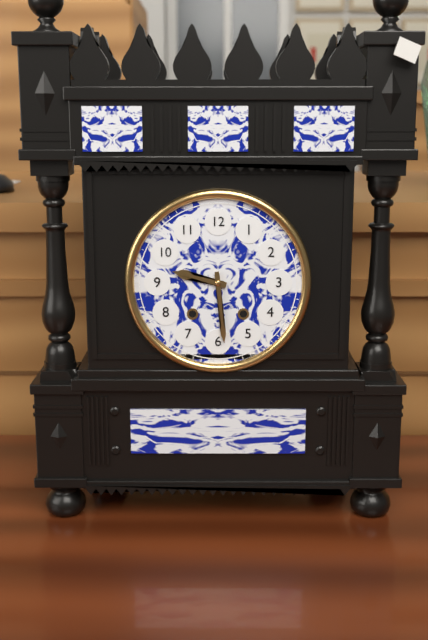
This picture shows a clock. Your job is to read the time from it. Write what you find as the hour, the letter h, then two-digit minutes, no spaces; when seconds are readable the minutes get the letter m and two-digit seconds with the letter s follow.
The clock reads 9h29
